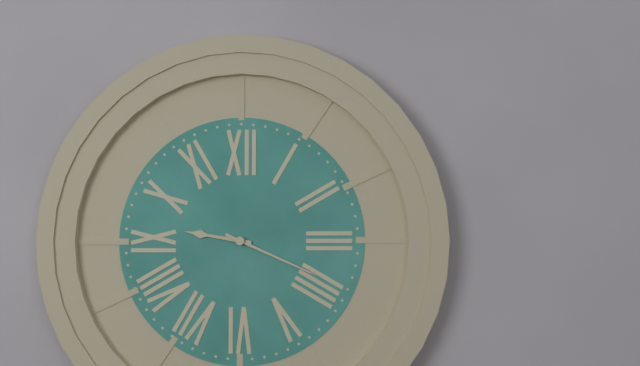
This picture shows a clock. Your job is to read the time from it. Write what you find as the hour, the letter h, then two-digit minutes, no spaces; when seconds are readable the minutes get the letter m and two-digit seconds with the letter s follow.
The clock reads 9h19
